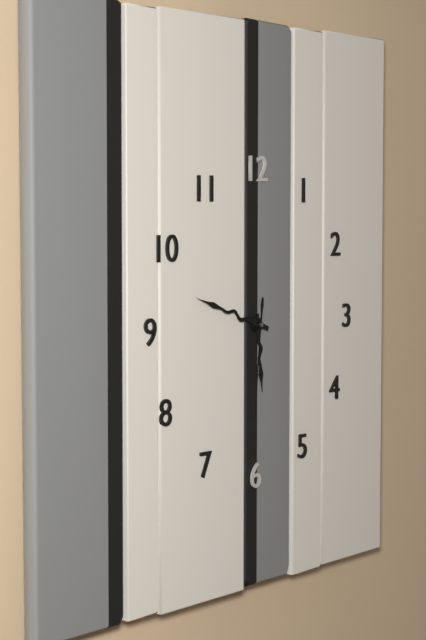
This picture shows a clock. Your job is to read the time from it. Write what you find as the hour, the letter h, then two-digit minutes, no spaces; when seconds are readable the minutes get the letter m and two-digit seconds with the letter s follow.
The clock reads 5h48m31s
